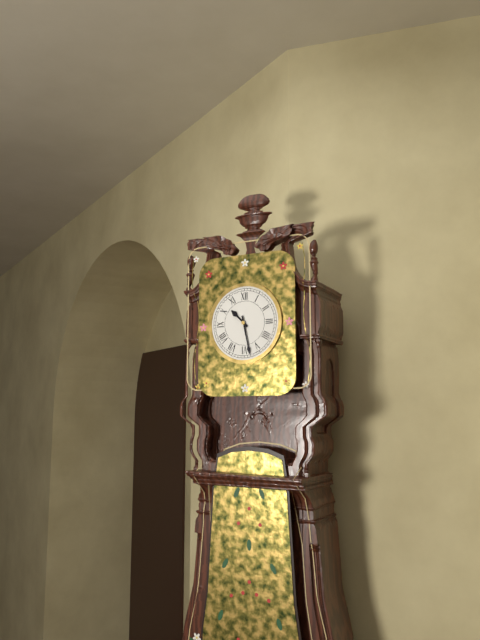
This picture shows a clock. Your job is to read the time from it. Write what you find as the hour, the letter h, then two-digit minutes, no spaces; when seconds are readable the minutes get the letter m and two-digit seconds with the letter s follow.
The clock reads 10h28
